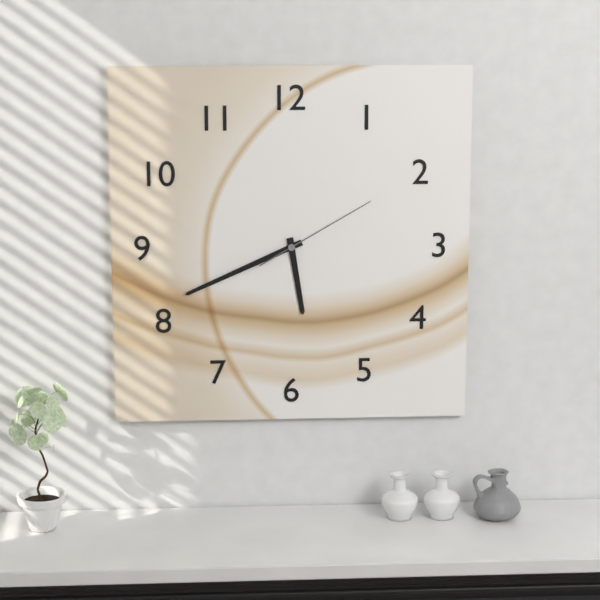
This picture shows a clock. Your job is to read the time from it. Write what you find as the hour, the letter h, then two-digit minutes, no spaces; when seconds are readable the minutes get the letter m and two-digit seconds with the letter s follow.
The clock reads 5h41m10s
